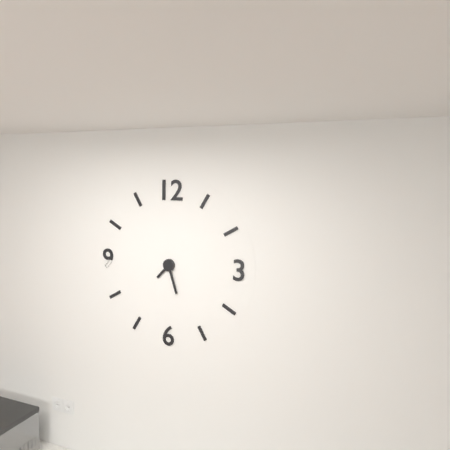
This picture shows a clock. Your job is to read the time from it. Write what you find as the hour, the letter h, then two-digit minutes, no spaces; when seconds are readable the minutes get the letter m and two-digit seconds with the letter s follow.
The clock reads 7h27
